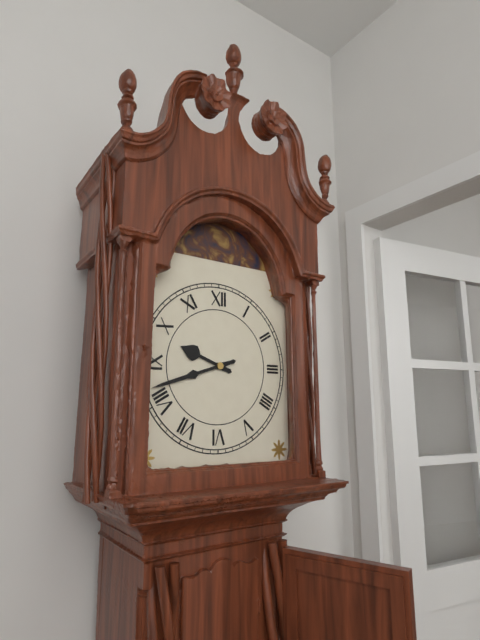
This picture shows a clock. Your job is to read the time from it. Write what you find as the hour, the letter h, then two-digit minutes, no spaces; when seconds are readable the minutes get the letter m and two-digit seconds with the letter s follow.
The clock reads 9h42
